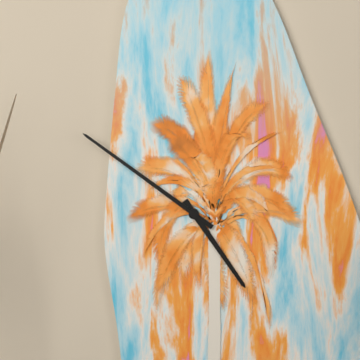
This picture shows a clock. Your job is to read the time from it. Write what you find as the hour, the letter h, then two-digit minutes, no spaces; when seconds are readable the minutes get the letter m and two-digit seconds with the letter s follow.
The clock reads 4h51
